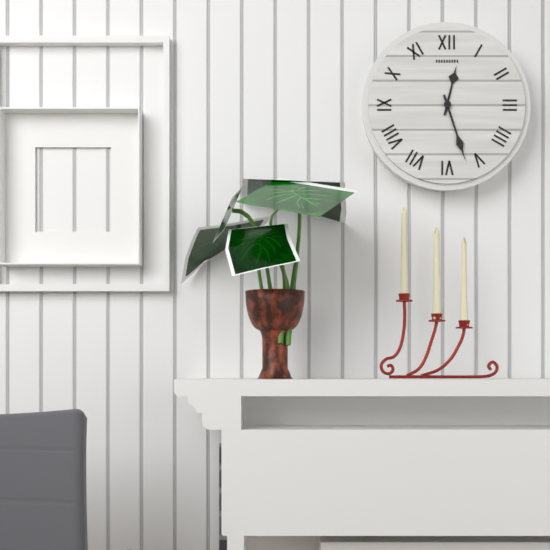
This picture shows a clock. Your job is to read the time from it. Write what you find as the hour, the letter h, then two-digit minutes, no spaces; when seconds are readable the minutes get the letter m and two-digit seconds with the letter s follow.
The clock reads 12h27
